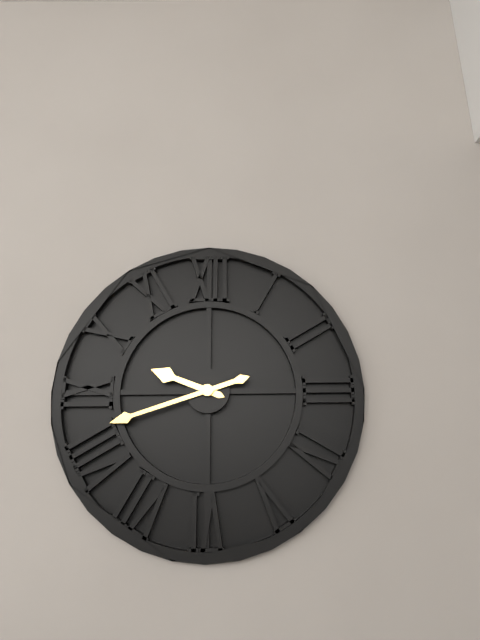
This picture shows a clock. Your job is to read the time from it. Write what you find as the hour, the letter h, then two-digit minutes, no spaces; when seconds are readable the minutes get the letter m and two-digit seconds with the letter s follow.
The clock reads 9h42
